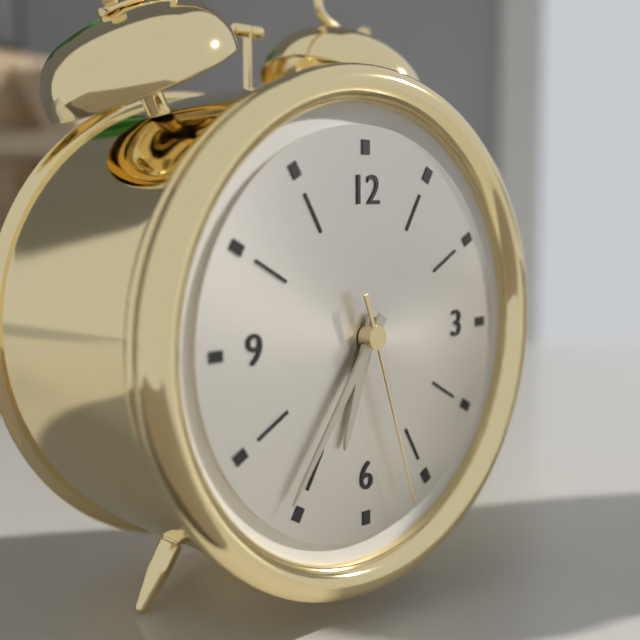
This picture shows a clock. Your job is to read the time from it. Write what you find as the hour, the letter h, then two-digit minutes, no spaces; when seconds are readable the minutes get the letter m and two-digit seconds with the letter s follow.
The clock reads 6h36m27s
